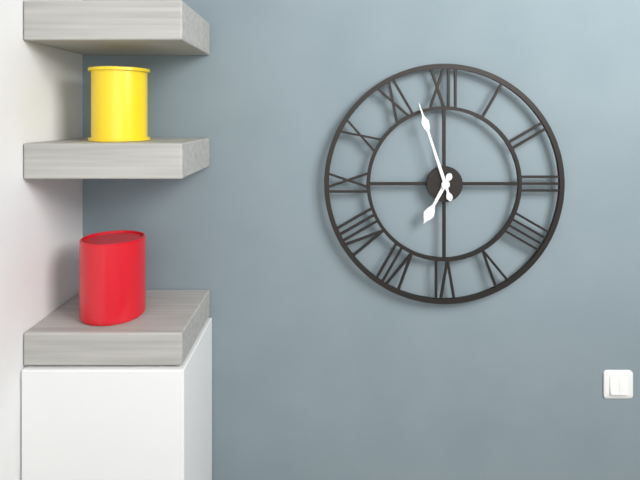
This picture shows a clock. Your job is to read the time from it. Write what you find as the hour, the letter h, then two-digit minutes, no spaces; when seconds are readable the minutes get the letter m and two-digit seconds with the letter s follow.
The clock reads 6h57
